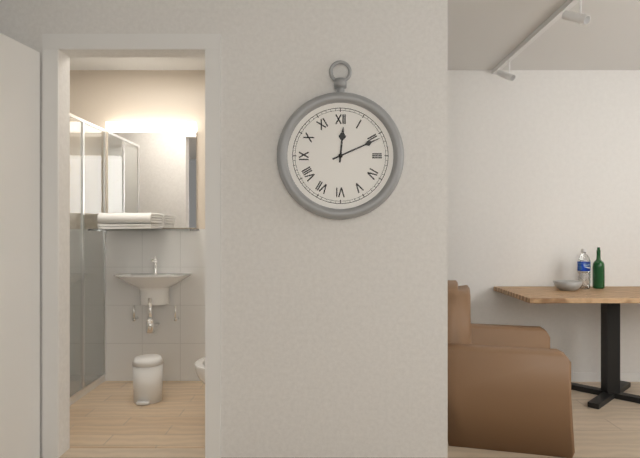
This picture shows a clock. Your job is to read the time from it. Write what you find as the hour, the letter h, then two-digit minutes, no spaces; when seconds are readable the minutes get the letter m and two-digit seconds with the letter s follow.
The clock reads 12h11
